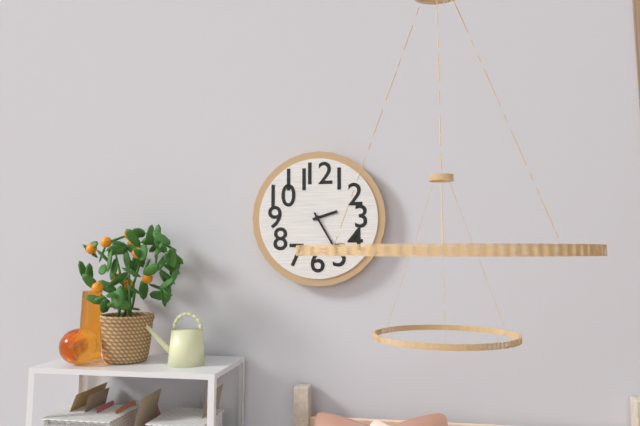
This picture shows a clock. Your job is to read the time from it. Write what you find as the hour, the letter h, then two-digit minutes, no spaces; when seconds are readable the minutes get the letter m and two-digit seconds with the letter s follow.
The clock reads 2h25
